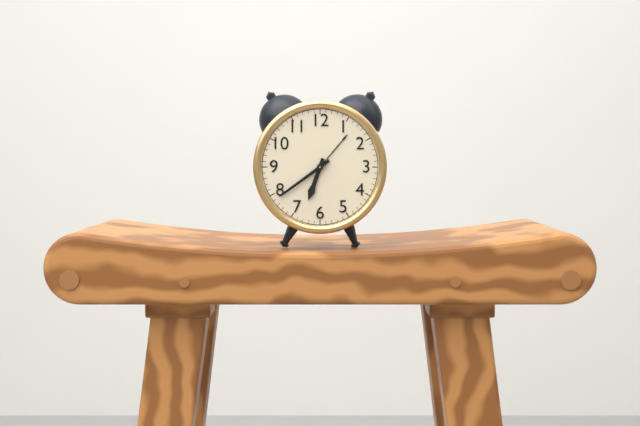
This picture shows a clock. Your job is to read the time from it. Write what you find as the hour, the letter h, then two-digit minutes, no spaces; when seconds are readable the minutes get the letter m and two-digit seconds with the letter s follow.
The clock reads 6h39
